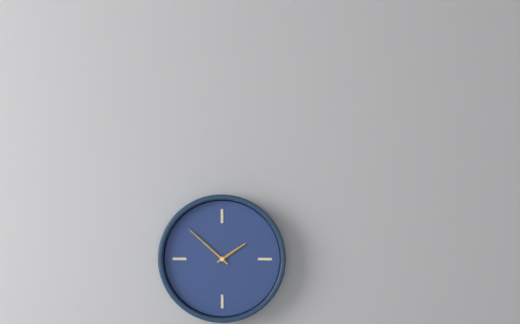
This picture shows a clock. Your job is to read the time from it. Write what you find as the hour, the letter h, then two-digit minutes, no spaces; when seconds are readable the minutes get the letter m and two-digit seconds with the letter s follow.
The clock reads 1h52
